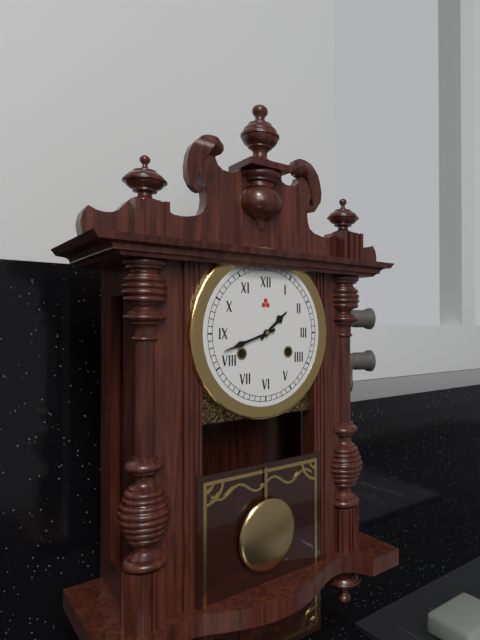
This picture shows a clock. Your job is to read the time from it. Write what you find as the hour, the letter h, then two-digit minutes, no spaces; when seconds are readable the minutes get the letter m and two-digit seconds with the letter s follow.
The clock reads 1h42
